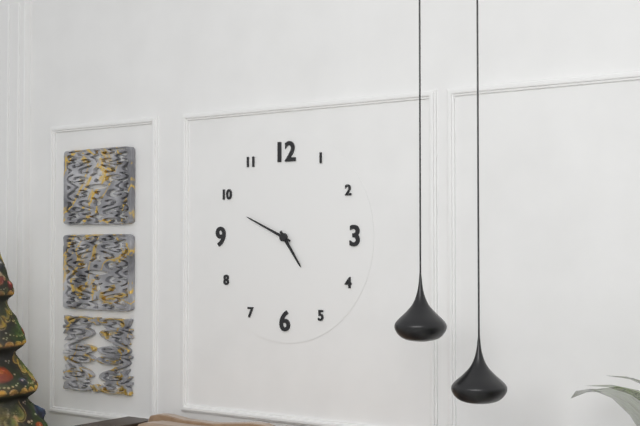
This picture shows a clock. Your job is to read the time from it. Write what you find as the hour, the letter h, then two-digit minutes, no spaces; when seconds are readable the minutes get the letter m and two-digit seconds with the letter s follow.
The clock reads 4h49
